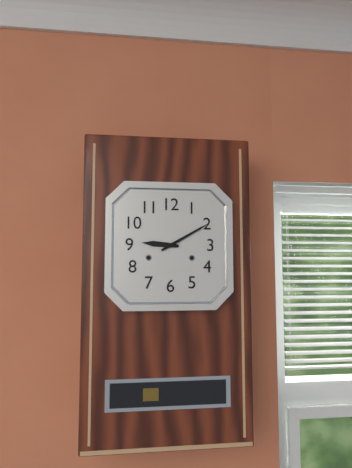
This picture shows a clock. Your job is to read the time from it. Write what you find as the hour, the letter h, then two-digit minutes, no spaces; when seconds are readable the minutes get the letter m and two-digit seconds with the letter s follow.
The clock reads 9h10
